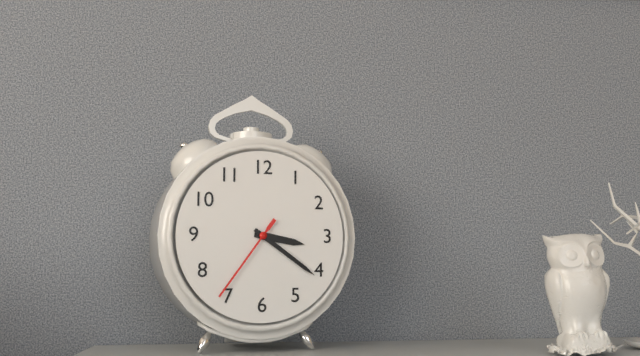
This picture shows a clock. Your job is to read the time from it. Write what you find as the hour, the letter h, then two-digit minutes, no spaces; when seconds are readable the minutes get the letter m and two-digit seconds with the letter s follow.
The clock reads 3h21m36s
